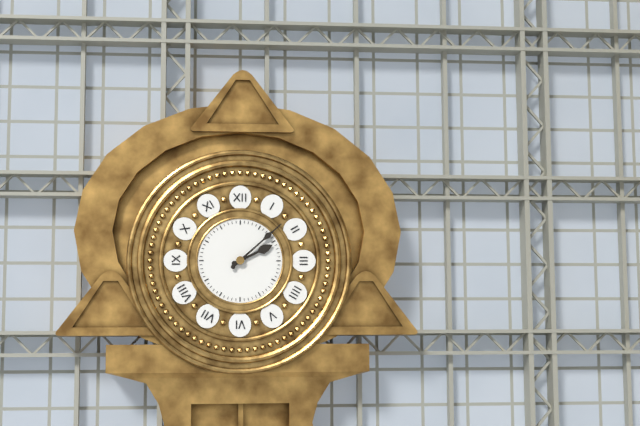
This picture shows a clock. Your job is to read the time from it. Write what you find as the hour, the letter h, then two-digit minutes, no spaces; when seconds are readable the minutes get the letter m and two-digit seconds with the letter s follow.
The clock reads 2h08
